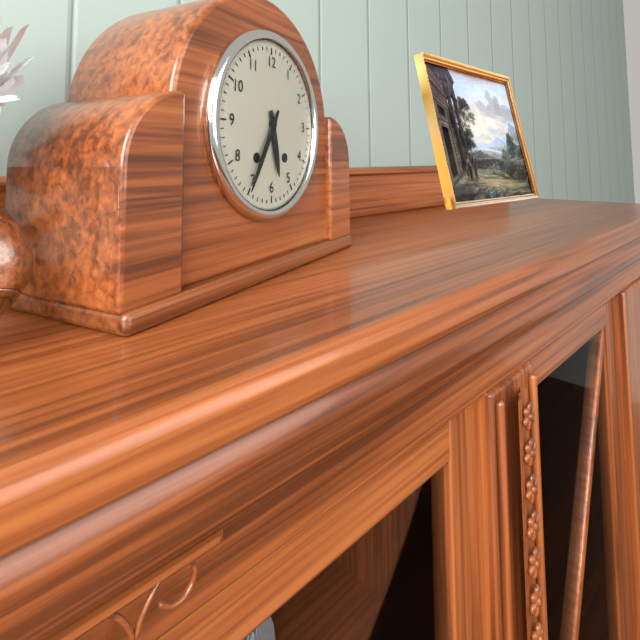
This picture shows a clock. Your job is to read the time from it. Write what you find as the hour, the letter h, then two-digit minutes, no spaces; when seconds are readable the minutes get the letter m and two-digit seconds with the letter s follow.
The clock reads 5h35
